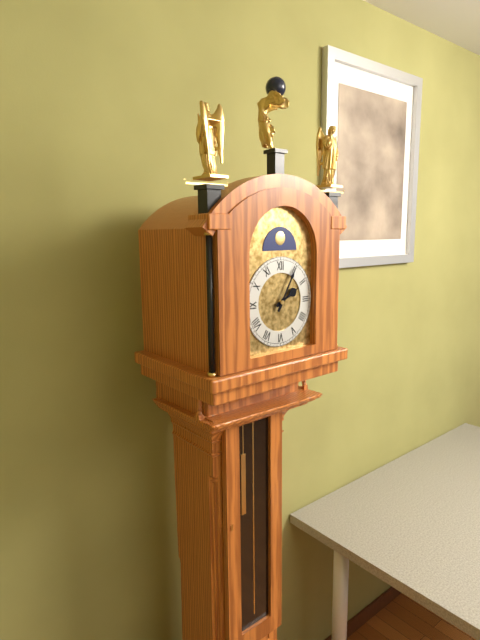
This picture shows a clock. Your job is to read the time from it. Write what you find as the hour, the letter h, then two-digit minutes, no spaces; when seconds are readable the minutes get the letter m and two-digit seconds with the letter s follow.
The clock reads 2h05
